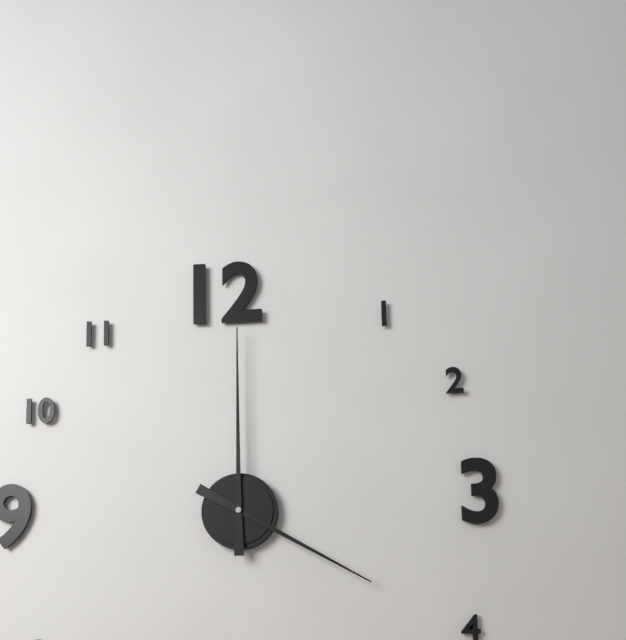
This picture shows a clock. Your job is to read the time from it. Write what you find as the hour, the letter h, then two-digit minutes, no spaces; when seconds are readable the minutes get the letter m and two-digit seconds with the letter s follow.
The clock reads 4h00
